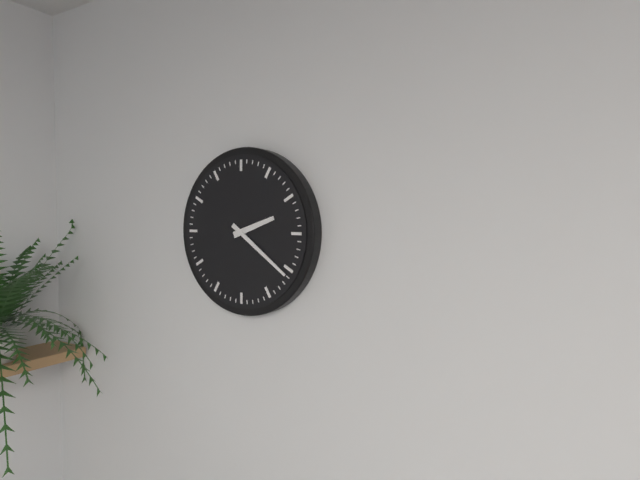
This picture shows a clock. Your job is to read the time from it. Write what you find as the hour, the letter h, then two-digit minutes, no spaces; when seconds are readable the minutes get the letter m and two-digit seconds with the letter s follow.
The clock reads 2h21
